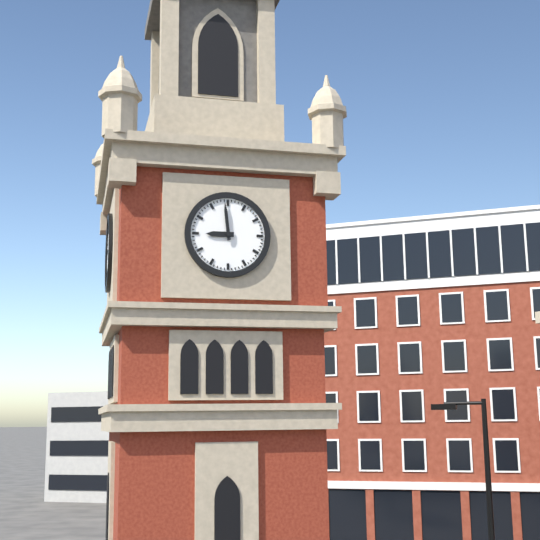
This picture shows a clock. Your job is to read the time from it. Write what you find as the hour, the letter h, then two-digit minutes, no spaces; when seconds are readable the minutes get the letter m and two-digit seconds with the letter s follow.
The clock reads 8h59
